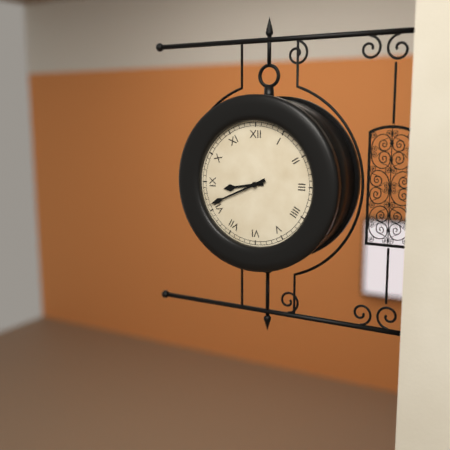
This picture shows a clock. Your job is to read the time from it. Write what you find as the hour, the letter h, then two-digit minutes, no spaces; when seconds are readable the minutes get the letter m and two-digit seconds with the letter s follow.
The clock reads 8h41
